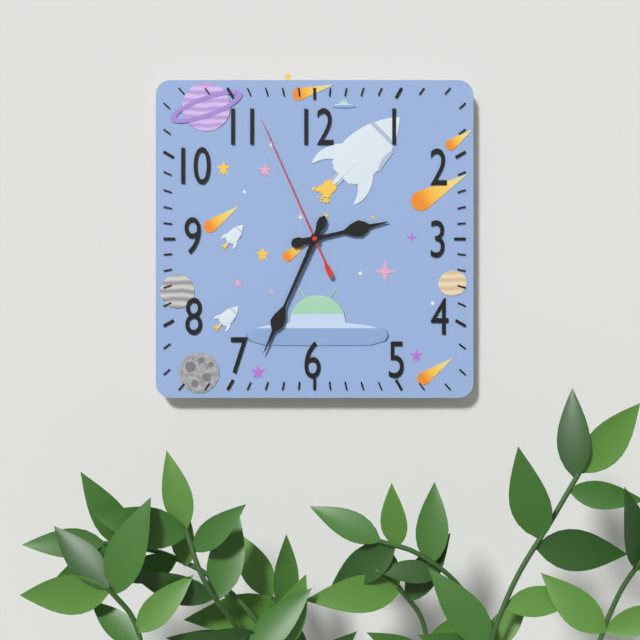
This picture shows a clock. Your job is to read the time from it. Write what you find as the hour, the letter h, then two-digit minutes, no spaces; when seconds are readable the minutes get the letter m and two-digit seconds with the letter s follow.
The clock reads 2h34m56s
